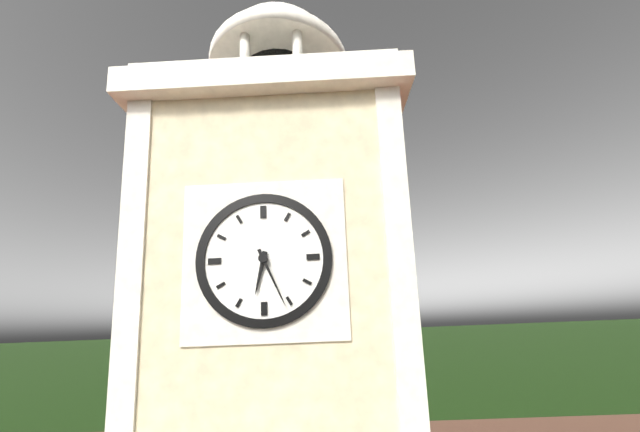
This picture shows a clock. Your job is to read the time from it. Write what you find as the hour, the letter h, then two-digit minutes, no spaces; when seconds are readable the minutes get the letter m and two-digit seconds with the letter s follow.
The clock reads 6h26
